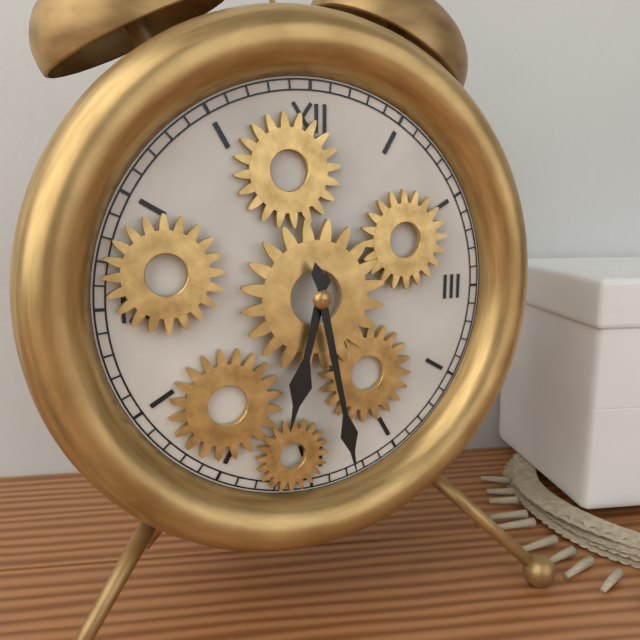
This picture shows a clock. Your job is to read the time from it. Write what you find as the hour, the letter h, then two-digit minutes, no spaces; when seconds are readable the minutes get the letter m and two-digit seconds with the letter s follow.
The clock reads 6h28
